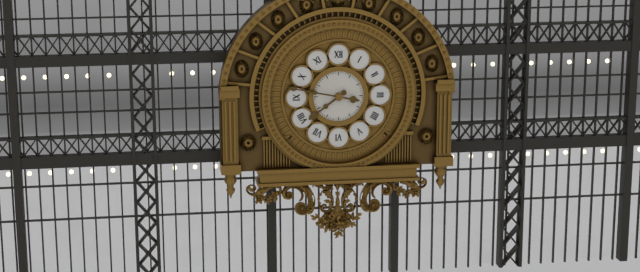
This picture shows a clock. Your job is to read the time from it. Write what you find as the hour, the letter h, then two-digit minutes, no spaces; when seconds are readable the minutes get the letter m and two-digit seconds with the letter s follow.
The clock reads 7h47
